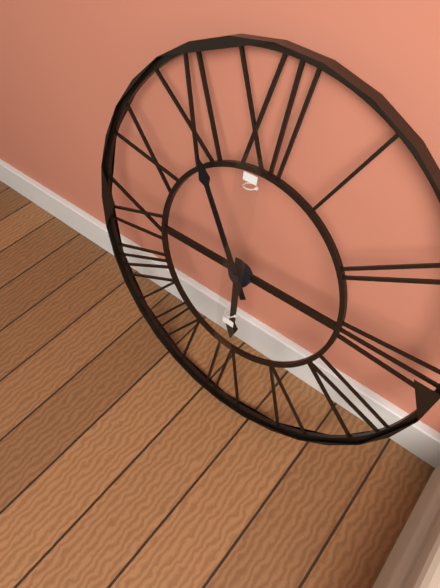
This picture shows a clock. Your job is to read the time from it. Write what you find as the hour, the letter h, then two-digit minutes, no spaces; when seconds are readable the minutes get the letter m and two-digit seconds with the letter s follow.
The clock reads 5h55
